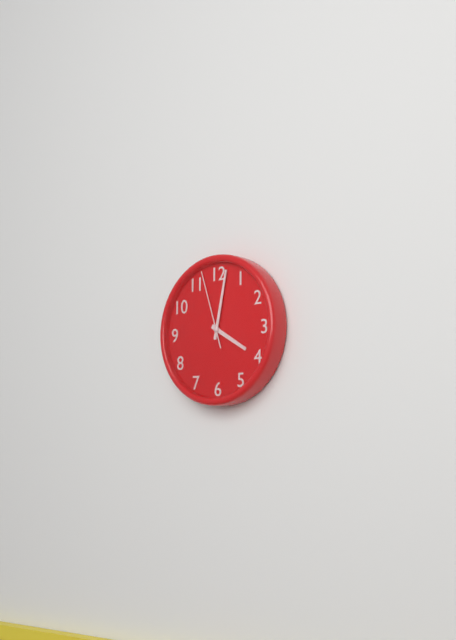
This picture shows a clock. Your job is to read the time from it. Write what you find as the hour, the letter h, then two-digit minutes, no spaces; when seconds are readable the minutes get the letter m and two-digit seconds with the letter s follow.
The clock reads 4h02m57s
